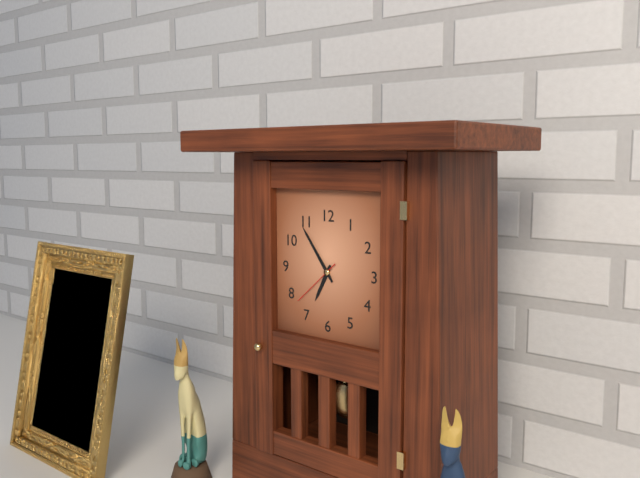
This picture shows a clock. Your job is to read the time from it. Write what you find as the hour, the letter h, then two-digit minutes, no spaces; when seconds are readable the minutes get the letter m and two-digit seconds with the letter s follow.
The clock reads 6h54m38s
